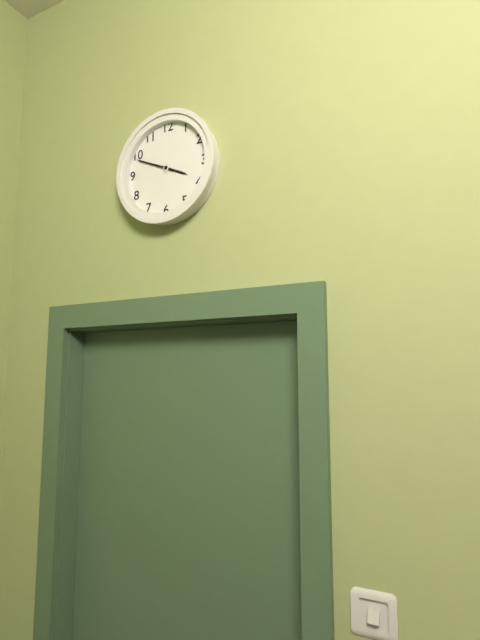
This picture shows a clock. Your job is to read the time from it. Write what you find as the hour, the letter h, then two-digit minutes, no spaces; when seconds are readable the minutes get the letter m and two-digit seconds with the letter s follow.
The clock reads 3h49
